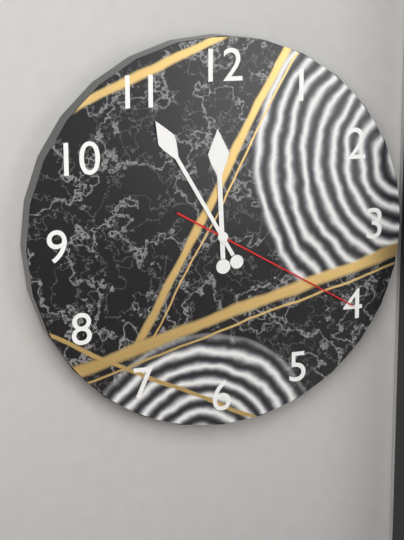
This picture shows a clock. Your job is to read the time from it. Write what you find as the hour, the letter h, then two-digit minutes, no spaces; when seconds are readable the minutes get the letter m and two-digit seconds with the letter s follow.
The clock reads 11h55m20s
